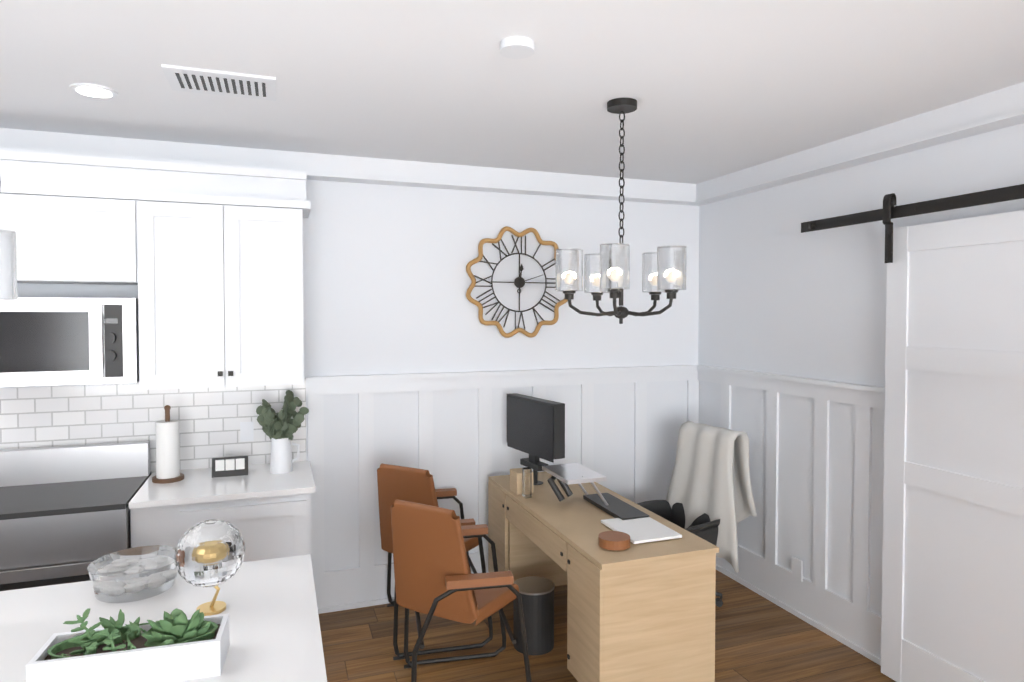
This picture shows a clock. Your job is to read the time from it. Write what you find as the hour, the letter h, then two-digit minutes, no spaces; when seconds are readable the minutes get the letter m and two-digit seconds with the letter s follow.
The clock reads 12h12
